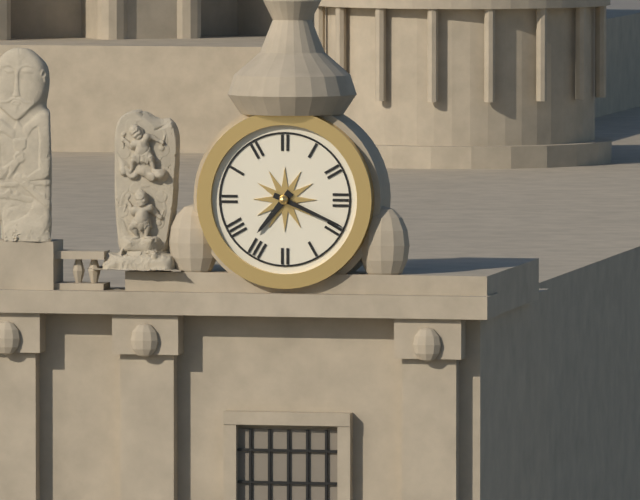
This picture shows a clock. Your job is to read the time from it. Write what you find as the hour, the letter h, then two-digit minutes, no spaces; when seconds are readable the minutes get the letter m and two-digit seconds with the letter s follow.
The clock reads 7h19
